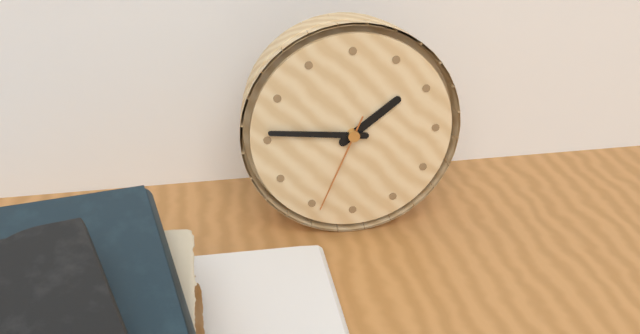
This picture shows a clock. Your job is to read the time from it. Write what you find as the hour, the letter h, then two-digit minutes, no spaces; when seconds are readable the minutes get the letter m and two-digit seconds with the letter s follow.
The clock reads 1h46m34s
